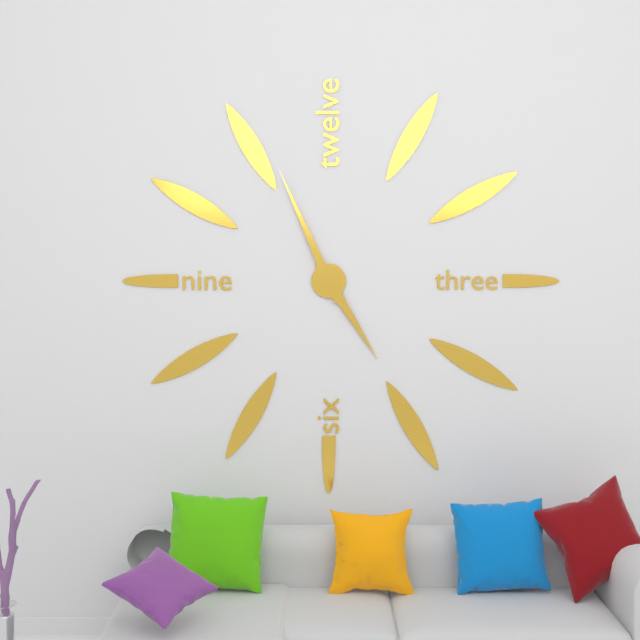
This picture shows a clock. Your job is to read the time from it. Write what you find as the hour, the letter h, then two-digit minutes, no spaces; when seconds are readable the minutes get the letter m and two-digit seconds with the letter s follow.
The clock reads 4h56
